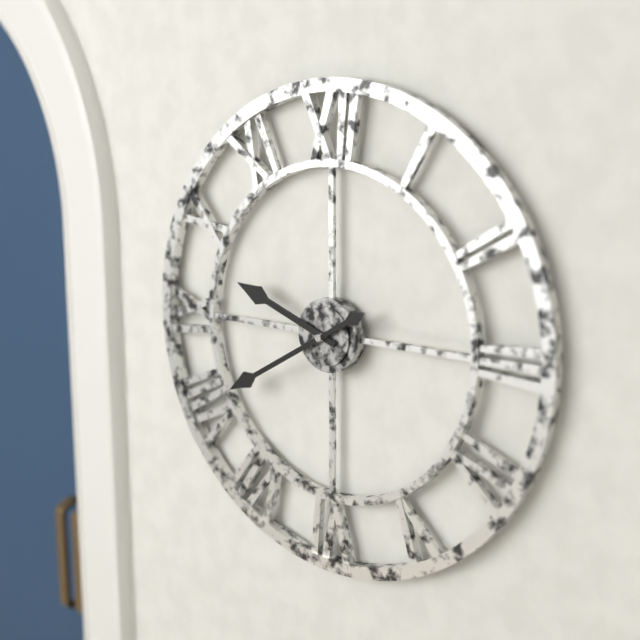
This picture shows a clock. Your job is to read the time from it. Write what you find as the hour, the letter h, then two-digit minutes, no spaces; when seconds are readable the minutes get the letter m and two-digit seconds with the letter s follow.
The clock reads 9h40
